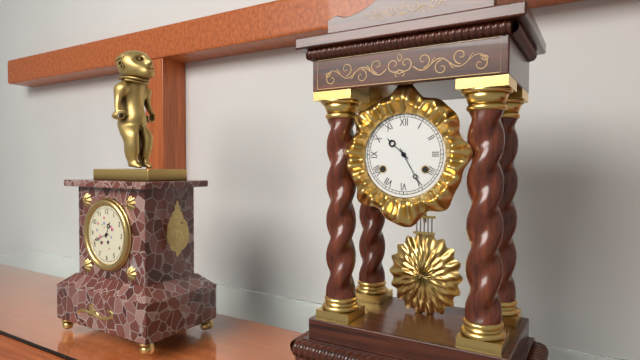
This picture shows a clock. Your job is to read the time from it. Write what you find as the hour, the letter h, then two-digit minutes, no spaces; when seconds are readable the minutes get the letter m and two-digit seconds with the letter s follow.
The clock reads 10h25
